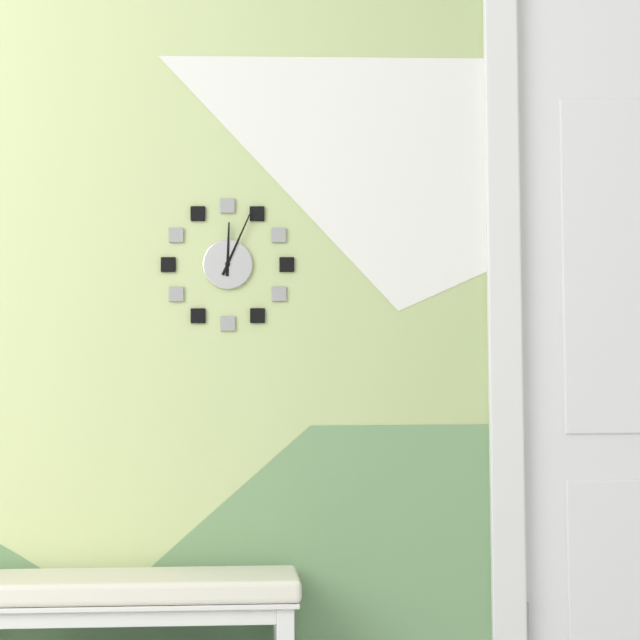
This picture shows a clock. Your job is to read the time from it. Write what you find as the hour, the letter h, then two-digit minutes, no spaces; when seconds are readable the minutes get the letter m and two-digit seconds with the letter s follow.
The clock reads 12h04
